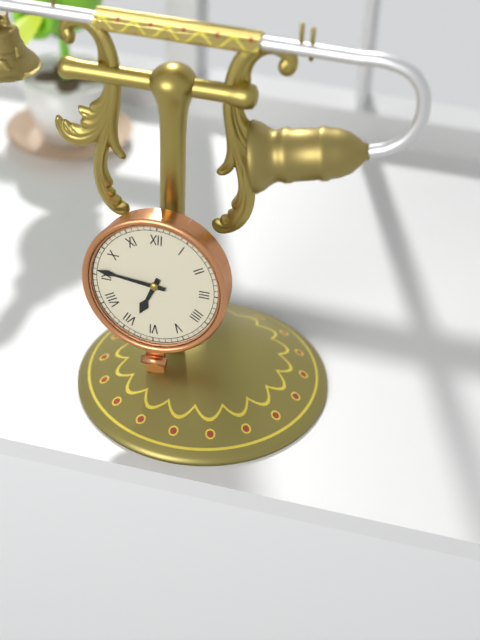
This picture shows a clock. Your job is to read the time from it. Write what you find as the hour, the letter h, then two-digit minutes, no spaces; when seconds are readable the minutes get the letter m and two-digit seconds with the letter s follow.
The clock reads 6h46
